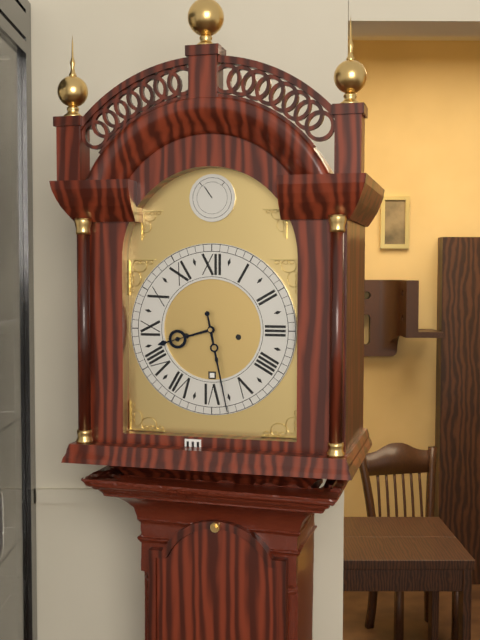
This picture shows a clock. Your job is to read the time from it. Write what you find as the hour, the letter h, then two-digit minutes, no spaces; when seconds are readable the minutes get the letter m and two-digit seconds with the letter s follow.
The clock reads 8h28
